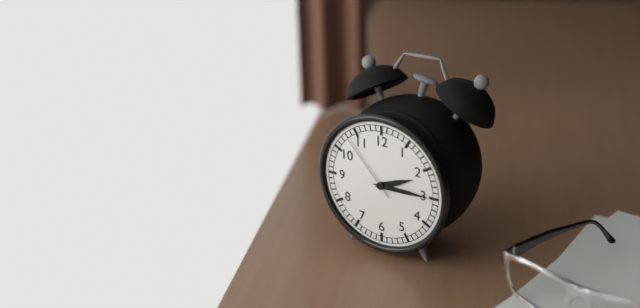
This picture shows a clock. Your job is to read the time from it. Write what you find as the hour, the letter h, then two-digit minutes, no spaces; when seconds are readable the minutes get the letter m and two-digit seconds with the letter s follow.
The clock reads 2h15m53s
